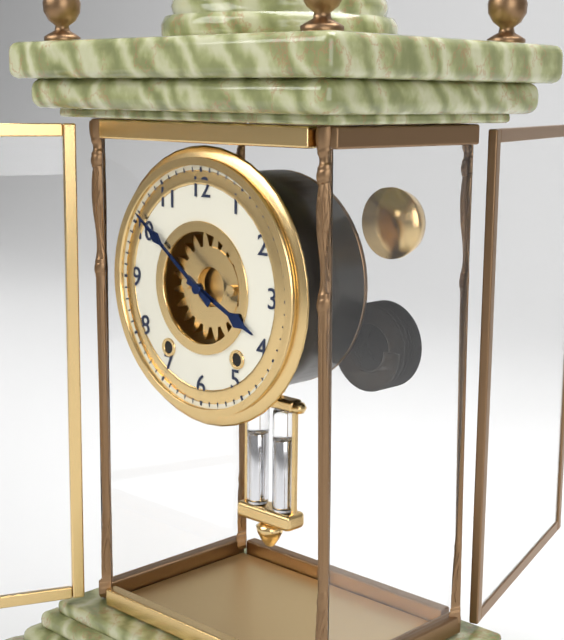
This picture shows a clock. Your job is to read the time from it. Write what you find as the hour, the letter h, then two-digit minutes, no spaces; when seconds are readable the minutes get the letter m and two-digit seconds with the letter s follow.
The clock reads 3h51
